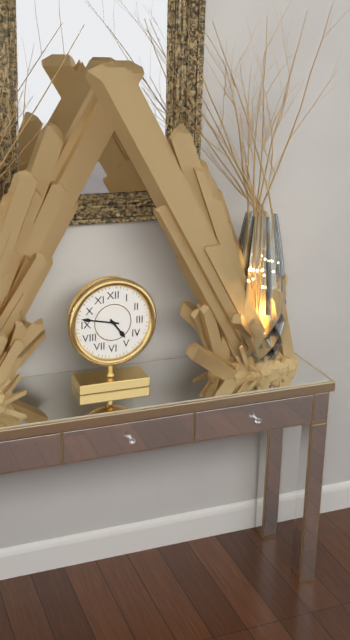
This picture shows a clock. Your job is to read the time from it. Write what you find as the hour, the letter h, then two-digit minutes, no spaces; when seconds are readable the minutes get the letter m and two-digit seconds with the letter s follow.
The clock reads 4h47
